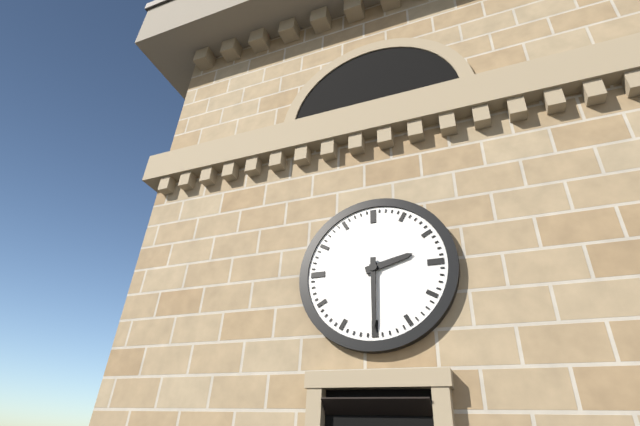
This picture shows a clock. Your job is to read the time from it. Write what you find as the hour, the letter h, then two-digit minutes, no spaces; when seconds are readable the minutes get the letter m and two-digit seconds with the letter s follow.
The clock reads 2h30
